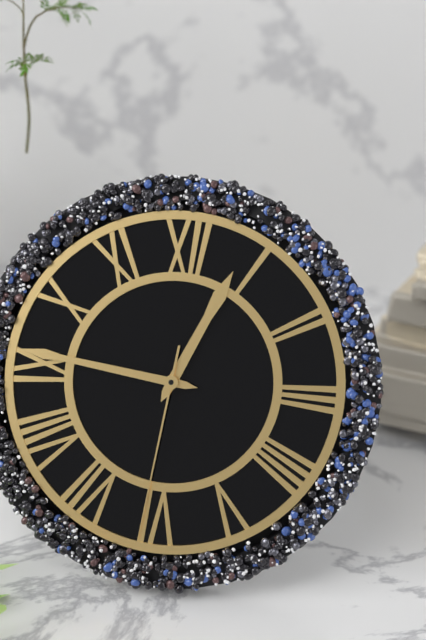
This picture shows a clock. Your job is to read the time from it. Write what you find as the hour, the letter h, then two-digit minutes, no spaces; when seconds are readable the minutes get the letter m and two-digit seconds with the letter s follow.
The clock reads 12h46m31s
